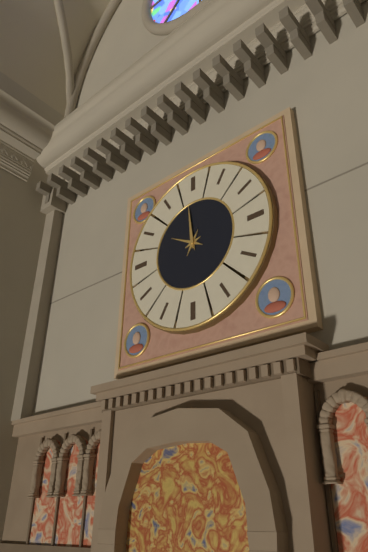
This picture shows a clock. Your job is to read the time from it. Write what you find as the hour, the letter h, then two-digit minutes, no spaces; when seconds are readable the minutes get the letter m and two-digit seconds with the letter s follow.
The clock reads 9h59
